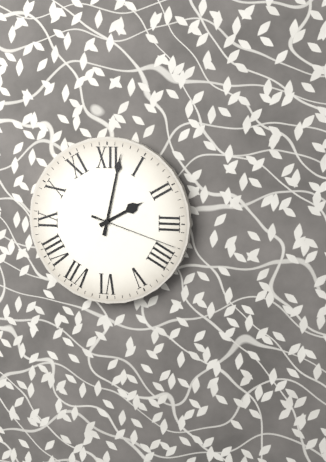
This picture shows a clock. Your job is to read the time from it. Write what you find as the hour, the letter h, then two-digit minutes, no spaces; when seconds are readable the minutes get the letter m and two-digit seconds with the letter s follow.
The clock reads 2h02m18s
